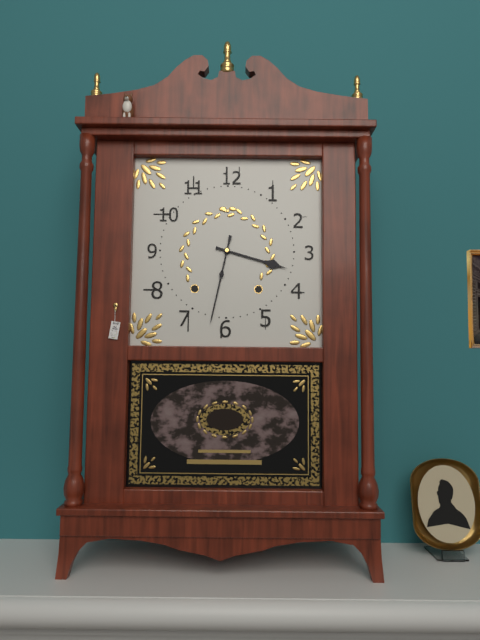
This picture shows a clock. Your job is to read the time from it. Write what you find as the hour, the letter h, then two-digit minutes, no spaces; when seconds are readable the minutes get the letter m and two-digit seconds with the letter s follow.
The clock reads 3h32
